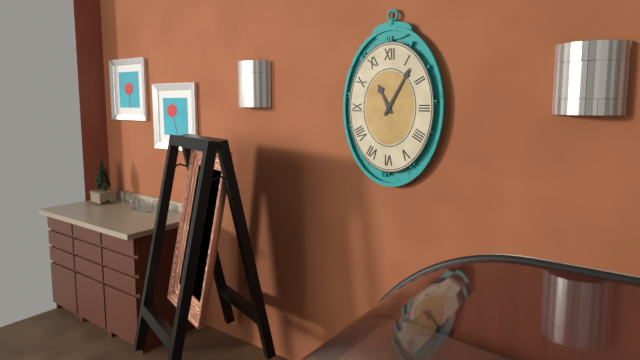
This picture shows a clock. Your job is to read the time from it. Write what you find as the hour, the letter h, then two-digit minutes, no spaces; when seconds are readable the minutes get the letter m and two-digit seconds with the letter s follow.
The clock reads 11h05
